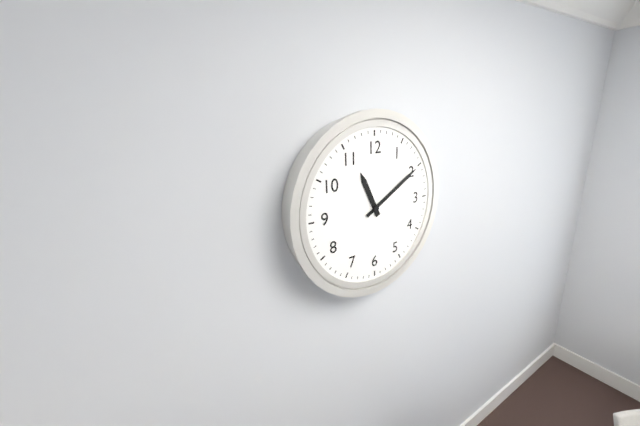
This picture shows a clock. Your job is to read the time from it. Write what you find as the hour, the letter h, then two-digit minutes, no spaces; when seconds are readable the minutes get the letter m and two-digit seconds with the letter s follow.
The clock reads 11h10
